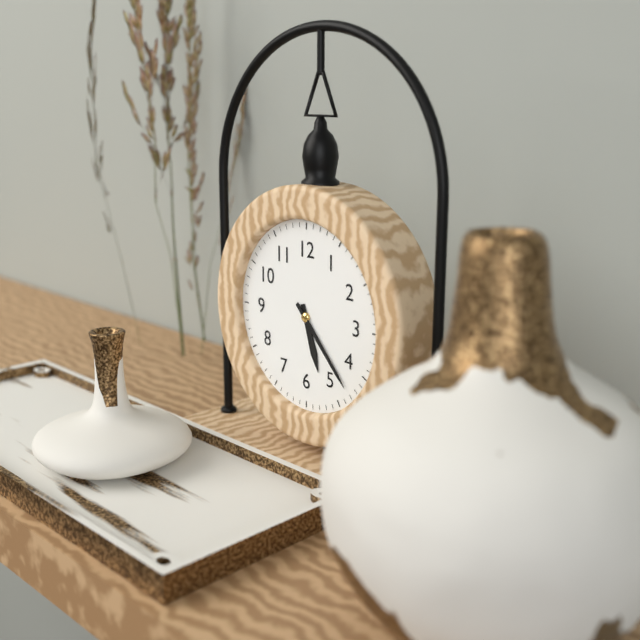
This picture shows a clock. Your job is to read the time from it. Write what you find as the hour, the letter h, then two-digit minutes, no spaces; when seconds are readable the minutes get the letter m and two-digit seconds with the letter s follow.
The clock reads 5h23
